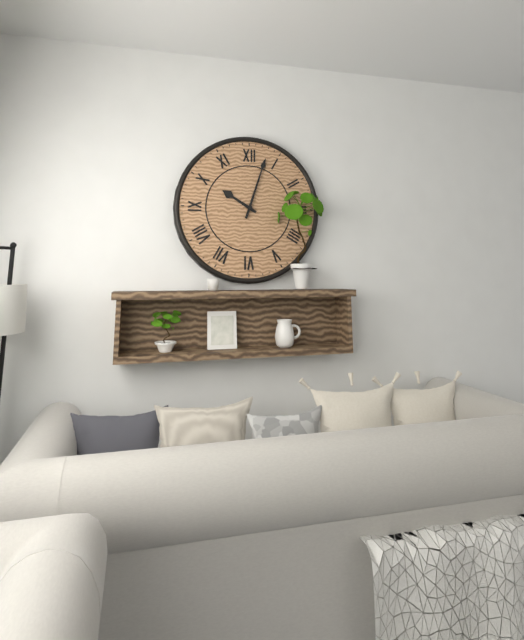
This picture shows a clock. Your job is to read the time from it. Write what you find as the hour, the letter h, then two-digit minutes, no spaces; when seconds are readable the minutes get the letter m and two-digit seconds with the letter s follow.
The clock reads 10h03
